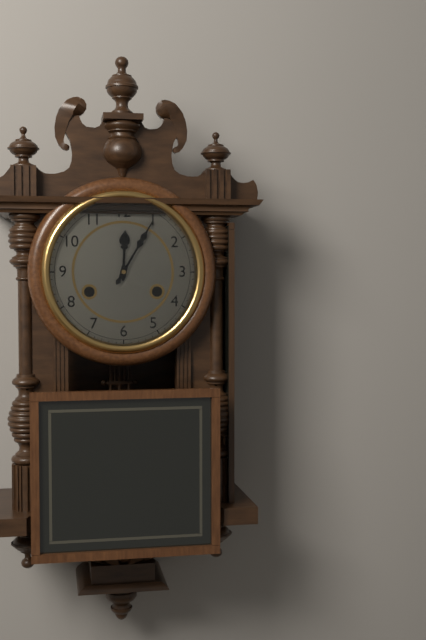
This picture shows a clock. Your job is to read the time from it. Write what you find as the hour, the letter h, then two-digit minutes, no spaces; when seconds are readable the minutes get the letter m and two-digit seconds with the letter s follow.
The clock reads 12h05
